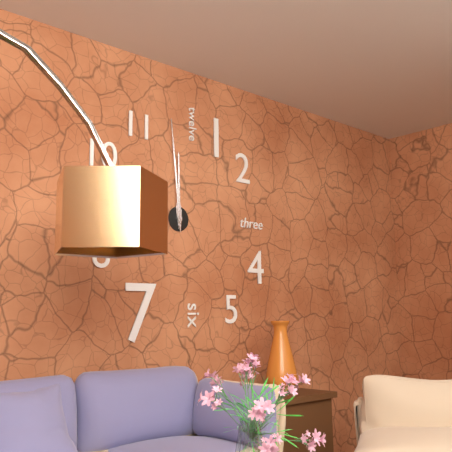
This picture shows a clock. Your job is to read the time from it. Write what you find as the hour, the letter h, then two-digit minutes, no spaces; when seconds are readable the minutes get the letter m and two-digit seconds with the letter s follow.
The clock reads 11h59
